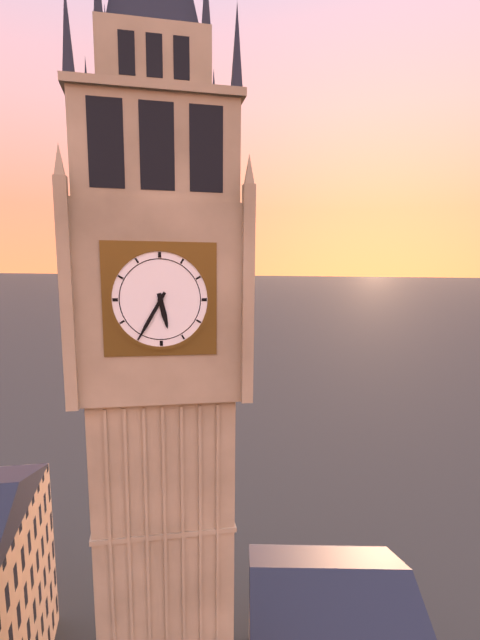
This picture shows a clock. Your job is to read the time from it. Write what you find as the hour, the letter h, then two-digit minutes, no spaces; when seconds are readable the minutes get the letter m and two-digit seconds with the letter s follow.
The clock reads 5h35
